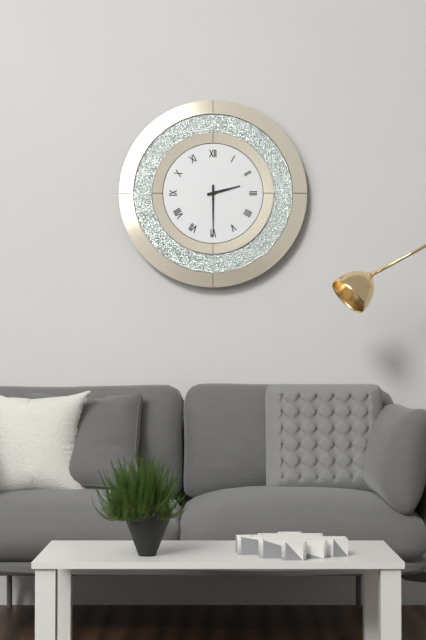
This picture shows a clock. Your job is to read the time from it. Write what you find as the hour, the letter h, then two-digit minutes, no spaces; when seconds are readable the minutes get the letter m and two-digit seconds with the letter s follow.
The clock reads 2h30
